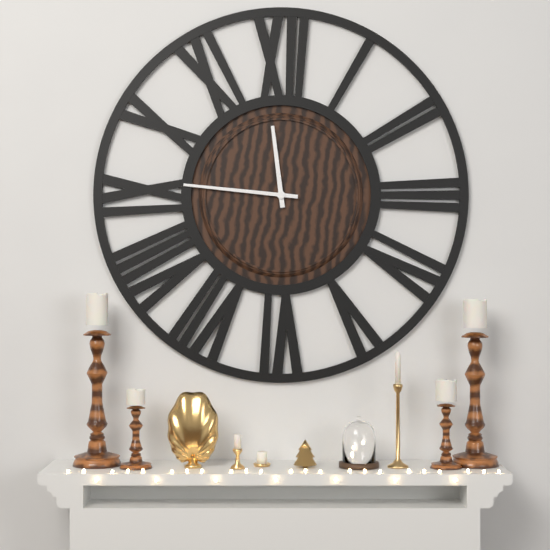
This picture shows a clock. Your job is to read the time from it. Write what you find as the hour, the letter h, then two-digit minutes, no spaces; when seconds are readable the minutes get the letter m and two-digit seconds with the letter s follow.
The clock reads 11h46
